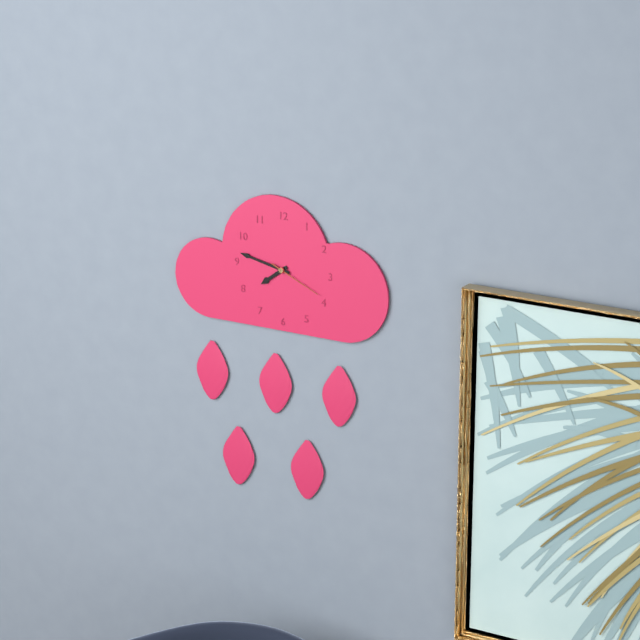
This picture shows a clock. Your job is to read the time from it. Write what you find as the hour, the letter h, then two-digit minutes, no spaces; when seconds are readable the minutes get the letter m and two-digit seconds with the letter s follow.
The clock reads 7h47m19s
